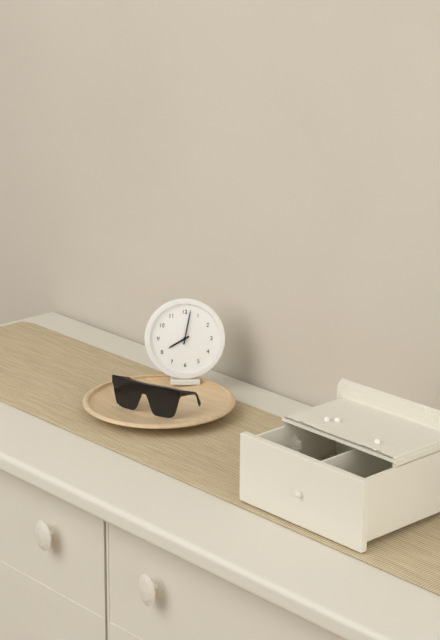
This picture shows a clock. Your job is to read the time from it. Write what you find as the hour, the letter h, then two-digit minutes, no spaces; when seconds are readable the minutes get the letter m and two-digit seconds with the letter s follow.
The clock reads 8h02
